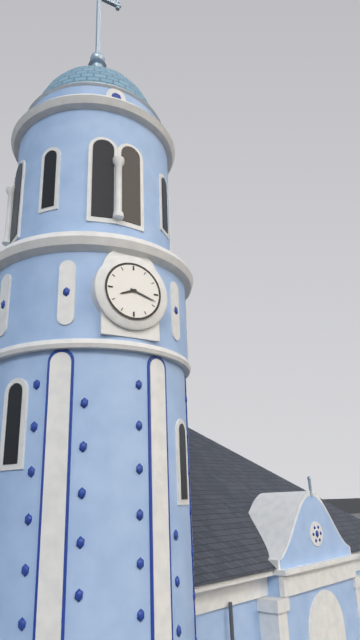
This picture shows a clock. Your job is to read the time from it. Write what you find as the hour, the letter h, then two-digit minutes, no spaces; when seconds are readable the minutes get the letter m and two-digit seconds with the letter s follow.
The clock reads 8h18
